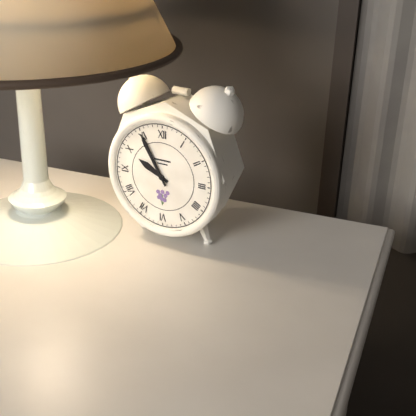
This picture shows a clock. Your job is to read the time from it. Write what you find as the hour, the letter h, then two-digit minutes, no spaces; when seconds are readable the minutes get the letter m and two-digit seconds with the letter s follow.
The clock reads 9h55
